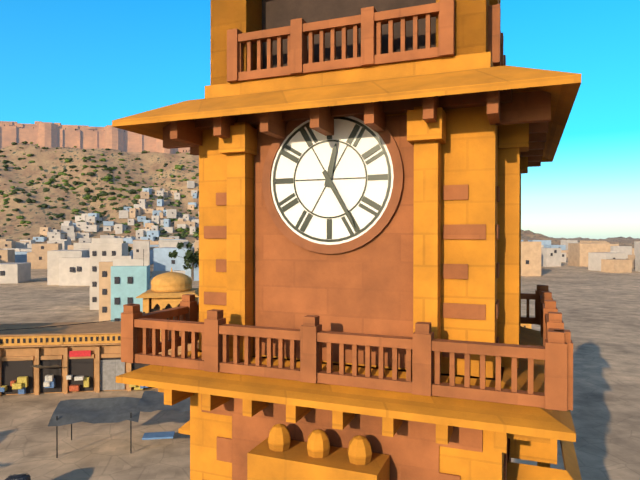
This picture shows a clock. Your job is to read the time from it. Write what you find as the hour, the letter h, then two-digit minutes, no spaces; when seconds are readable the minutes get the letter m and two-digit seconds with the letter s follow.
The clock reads 12h25
